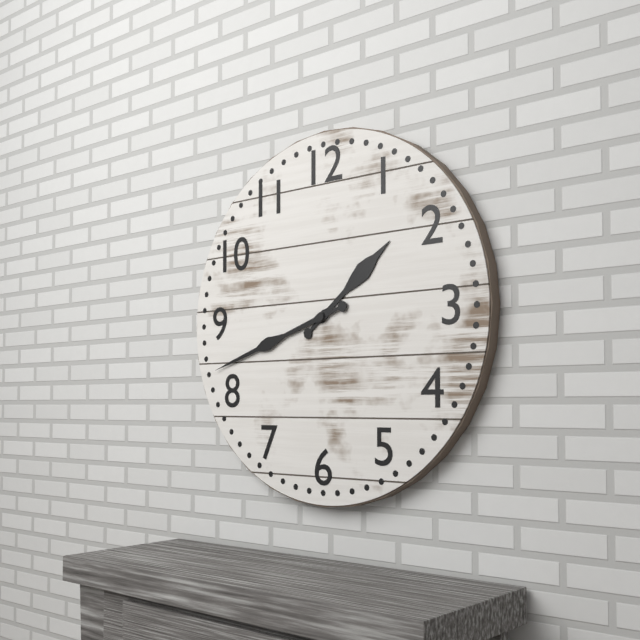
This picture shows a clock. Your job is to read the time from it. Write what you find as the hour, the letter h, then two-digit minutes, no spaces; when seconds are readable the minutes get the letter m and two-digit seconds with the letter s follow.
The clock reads 1h42
